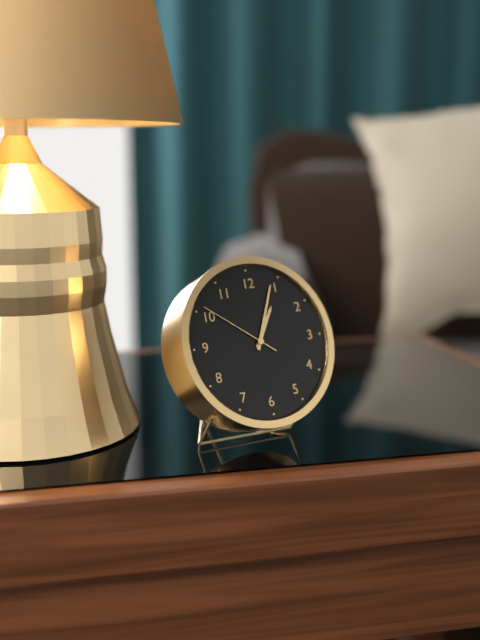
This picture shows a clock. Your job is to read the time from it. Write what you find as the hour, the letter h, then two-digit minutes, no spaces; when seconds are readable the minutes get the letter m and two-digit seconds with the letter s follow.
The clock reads 1h04m51s
